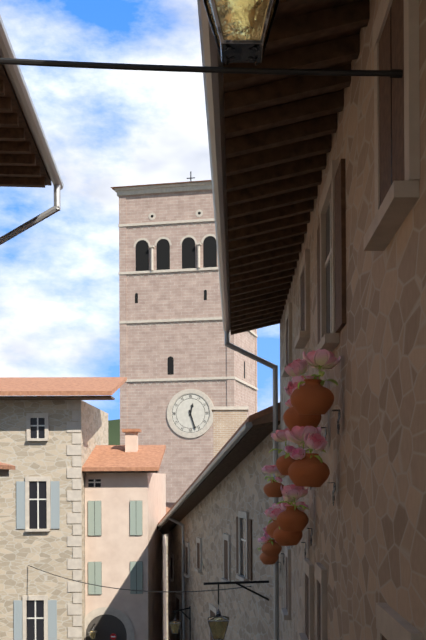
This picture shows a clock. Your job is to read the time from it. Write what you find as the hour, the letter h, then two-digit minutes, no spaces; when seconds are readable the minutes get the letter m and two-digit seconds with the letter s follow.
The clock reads 12h27
